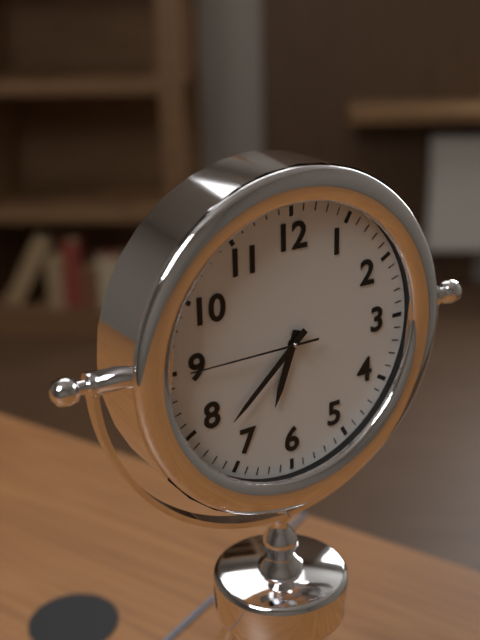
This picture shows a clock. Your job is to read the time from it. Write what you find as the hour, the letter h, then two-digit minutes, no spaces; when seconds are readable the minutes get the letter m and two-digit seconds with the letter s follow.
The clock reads 6h38m45s
